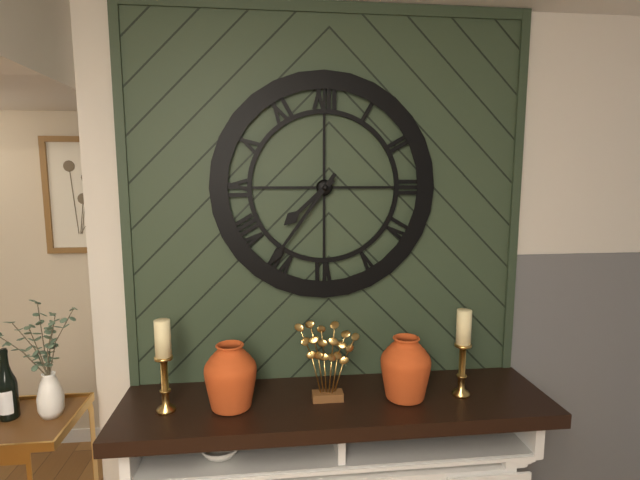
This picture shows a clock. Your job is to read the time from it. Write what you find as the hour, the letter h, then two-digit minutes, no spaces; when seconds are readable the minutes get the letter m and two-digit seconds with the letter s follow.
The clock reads 7h36
